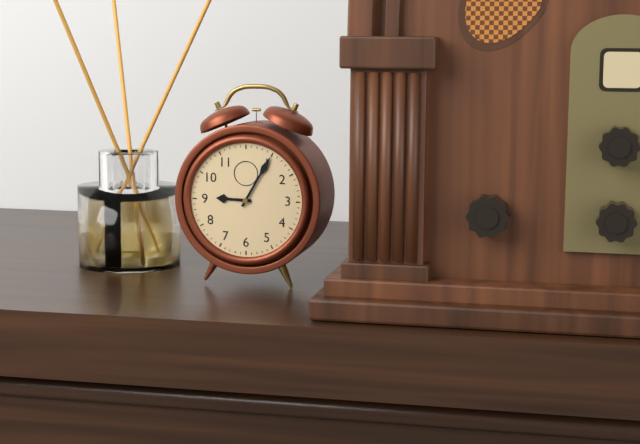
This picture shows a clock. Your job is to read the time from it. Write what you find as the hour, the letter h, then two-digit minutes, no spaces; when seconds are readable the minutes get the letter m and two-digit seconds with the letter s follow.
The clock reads 9h05
